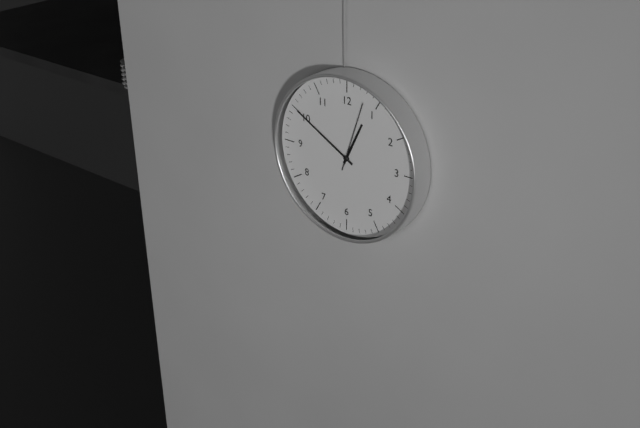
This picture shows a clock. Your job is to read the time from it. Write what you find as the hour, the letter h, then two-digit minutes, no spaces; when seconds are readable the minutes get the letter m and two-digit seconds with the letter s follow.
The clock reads 12h50m03s
